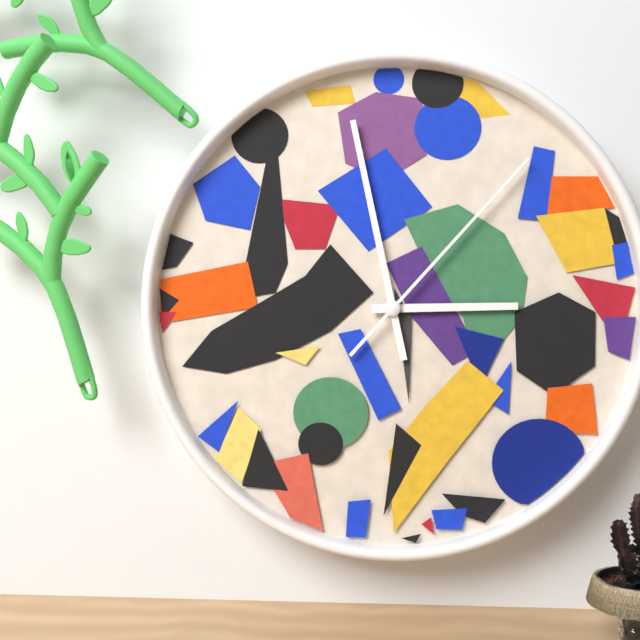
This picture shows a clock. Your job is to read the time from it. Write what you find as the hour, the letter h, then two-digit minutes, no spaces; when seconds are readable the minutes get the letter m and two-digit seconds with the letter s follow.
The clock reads 2h58m07s
